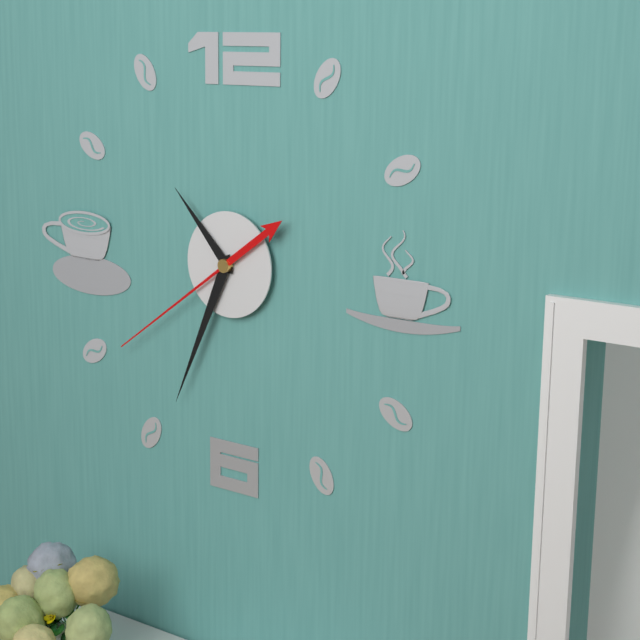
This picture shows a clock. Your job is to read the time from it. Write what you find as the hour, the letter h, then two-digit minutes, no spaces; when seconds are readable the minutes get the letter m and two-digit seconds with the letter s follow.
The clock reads 10h34m39s
